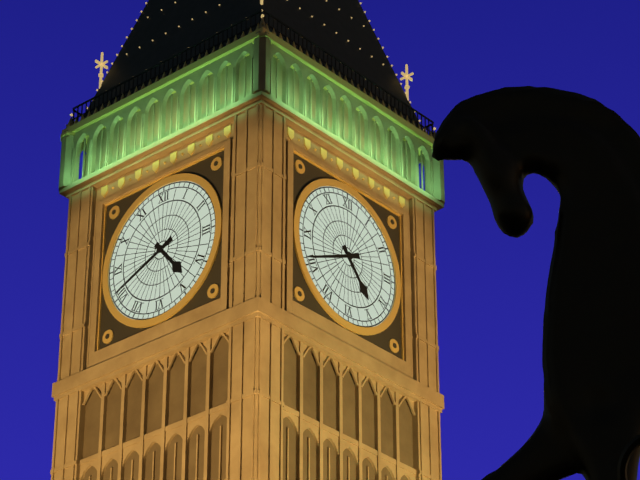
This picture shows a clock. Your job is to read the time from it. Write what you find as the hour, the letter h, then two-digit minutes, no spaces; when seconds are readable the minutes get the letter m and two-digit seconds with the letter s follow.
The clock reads 4h41
